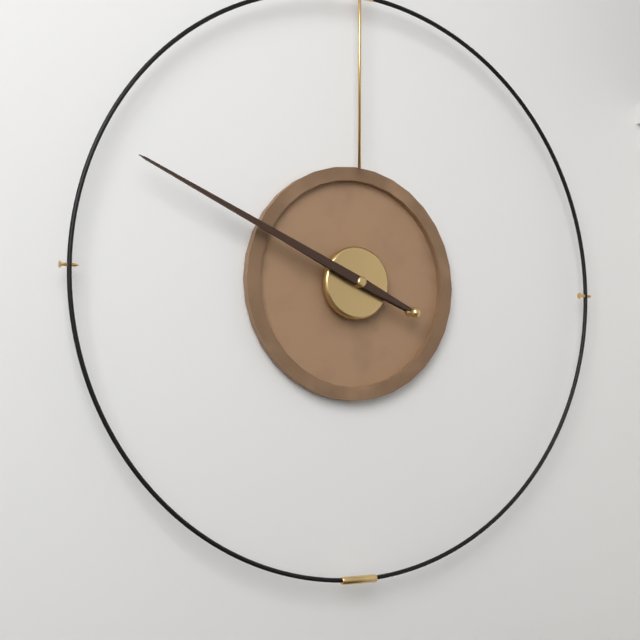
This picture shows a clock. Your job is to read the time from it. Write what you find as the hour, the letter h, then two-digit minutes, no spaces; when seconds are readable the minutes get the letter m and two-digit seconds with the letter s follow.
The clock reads 9h49
